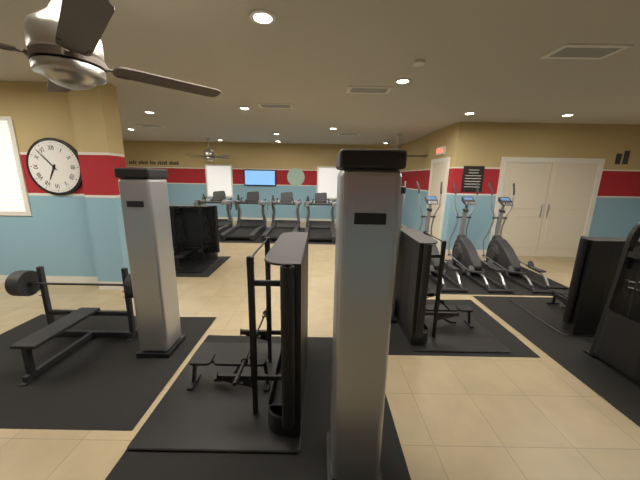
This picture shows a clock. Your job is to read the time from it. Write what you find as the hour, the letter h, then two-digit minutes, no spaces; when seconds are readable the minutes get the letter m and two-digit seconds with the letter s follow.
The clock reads 6h53
